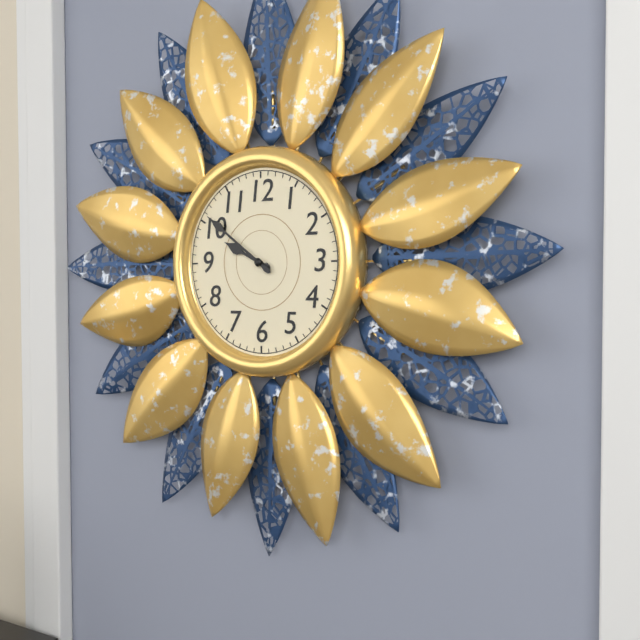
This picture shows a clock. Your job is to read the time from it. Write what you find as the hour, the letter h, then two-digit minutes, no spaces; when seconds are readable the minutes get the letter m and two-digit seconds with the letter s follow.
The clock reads 9h51
